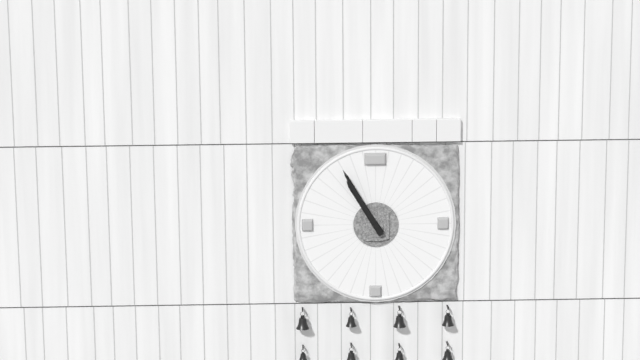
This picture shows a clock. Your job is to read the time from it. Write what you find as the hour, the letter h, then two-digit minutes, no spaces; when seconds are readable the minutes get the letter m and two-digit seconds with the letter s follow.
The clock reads 10h55
